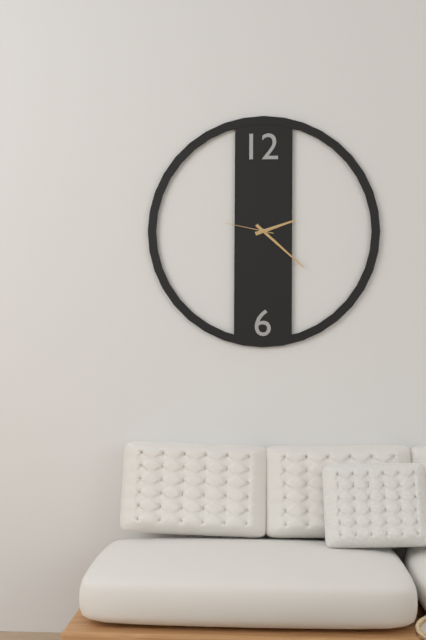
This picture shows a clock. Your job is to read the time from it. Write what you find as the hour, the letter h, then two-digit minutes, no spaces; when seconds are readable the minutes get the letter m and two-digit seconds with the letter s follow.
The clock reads 2h22
